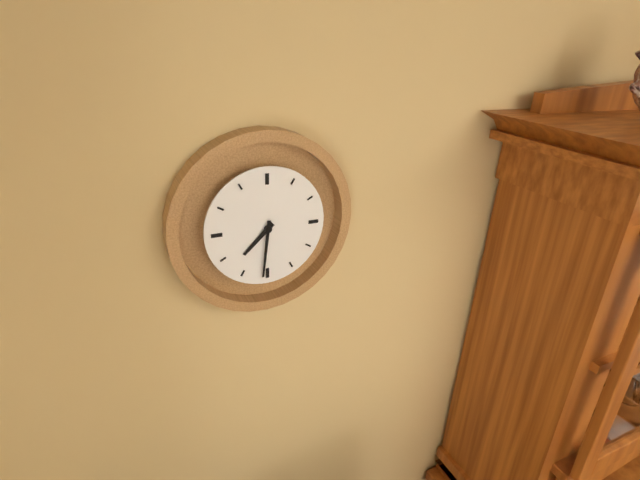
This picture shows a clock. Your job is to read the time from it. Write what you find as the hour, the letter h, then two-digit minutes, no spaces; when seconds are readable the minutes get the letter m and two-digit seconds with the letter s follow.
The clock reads 7h31
